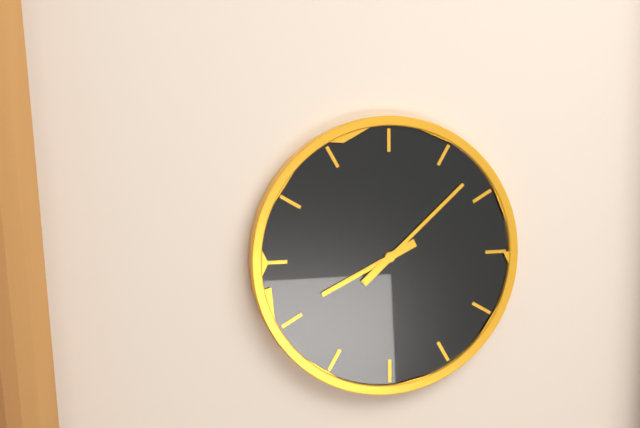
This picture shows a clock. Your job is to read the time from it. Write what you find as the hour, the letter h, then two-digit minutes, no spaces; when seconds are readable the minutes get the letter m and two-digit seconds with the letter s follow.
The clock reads 8h08
